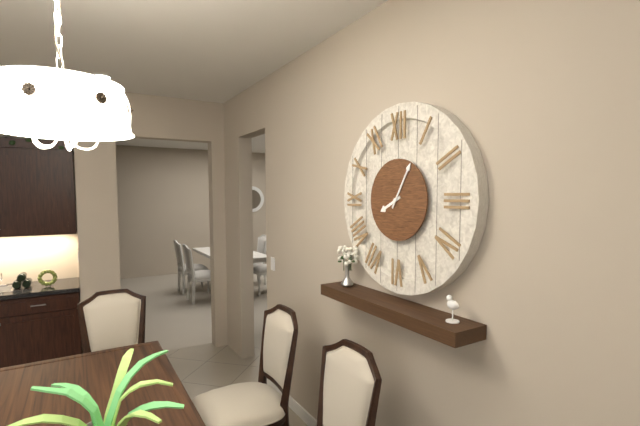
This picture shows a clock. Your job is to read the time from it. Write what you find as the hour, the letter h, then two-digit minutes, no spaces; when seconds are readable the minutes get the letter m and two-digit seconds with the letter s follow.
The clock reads 8h05
